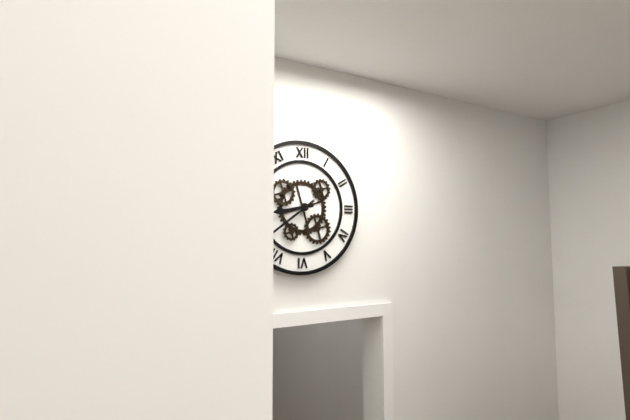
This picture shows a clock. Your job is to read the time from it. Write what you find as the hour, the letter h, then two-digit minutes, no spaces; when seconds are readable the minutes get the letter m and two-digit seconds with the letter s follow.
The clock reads 8h39
